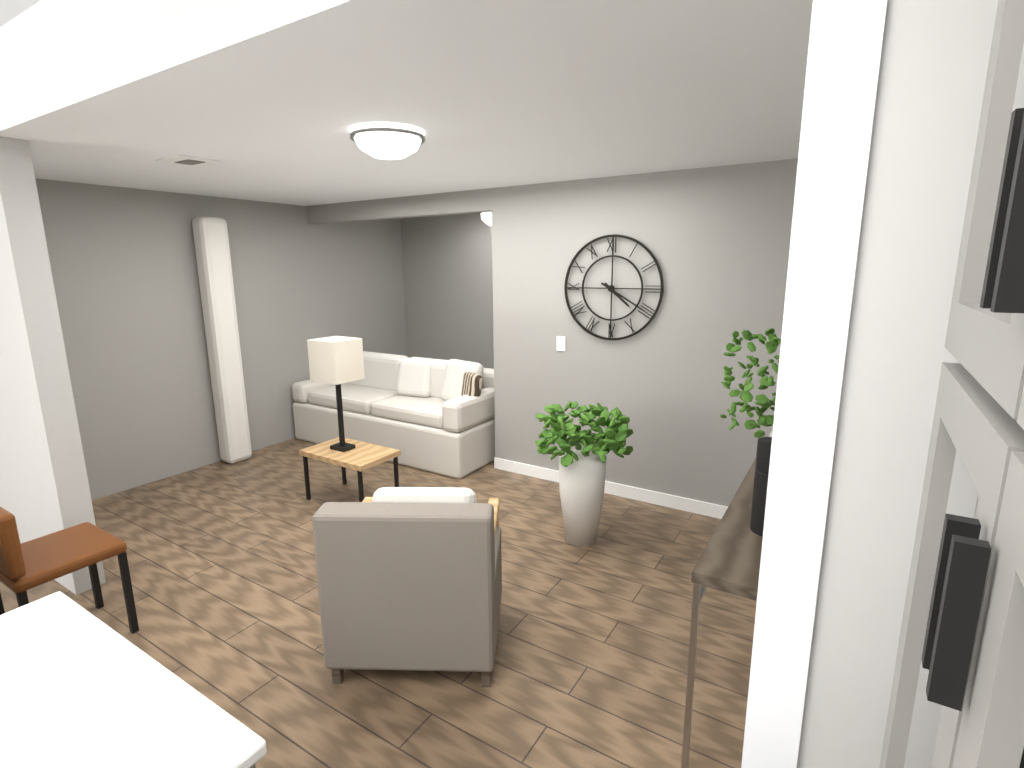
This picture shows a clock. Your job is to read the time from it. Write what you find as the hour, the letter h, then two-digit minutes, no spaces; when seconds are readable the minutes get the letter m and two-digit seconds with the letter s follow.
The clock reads 4h20
